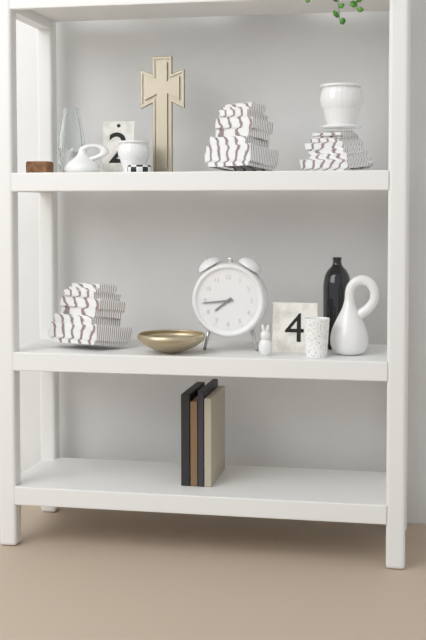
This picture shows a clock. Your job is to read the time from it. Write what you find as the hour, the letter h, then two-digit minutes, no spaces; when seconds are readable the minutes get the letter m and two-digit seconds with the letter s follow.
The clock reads 7h44
